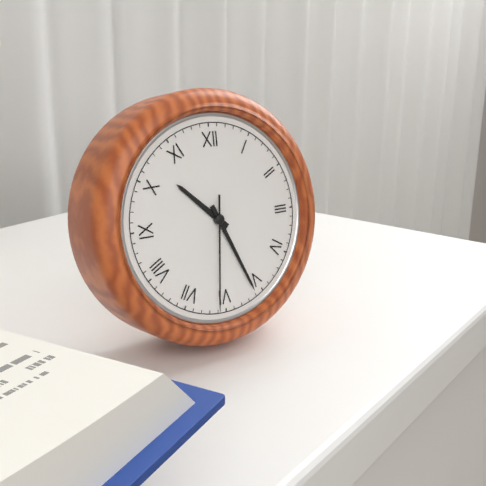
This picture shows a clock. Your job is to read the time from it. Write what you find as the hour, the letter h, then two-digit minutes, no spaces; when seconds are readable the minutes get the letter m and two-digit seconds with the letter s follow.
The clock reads 10h26m31s
